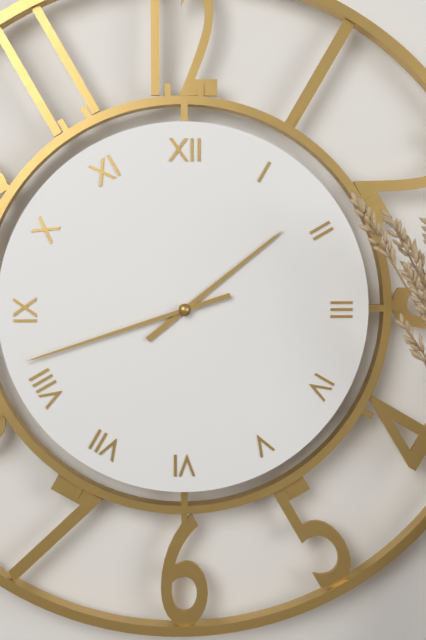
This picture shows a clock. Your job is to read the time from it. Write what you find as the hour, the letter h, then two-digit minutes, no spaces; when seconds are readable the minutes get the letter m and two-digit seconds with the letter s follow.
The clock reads 1h42
